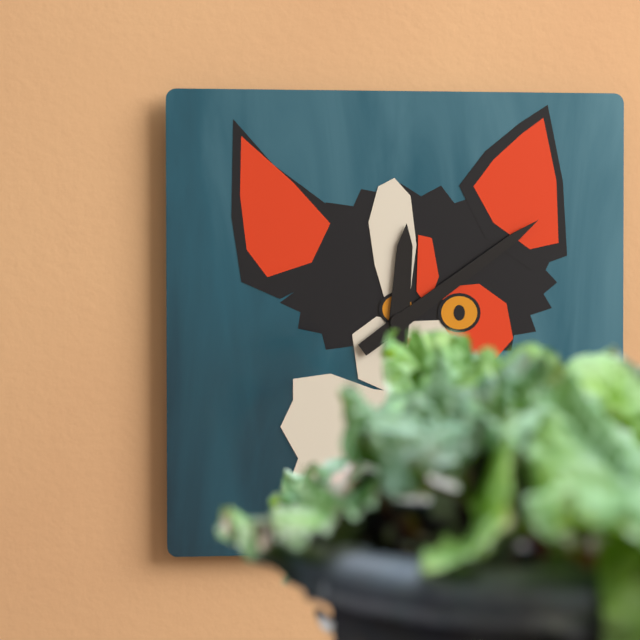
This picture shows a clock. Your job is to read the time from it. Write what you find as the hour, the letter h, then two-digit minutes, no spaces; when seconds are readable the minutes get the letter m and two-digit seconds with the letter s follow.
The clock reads 12h09
